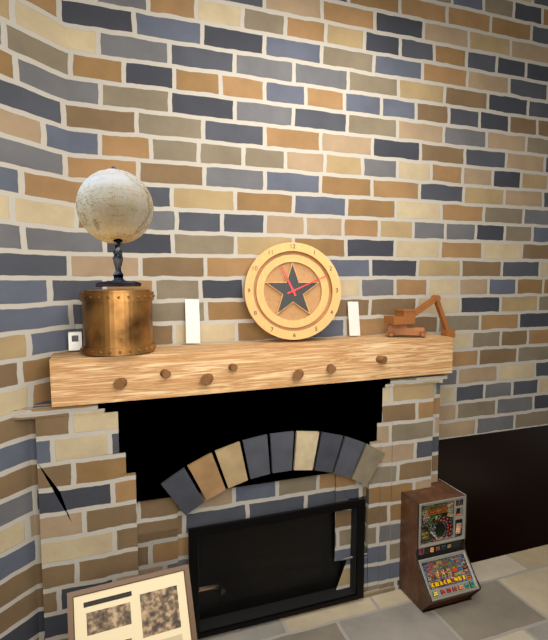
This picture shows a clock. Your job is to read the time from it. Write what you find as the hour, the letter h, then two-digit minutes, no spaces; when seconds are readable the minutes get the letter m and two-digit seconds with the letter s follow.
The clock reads 11h11
